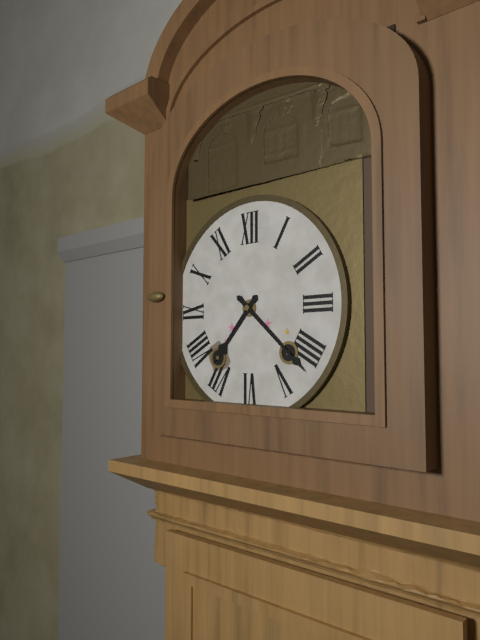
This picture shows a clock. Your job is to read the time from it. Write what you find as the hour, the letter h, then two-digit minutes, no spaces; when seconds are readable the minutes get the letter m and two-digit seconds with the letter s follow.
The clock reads 7h22
